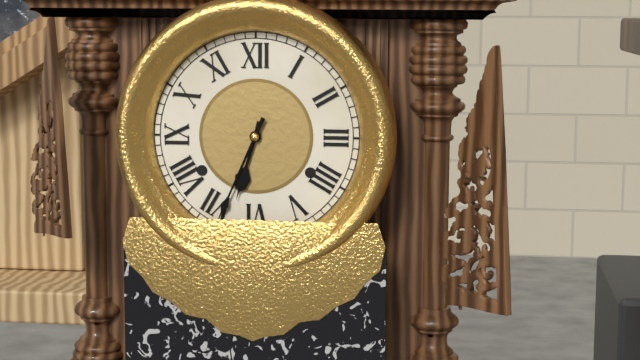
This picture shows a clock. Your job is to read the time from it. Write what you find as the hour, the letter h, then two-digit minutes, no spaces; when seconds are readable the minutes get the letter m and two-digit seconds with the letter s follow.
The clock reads 6h34
